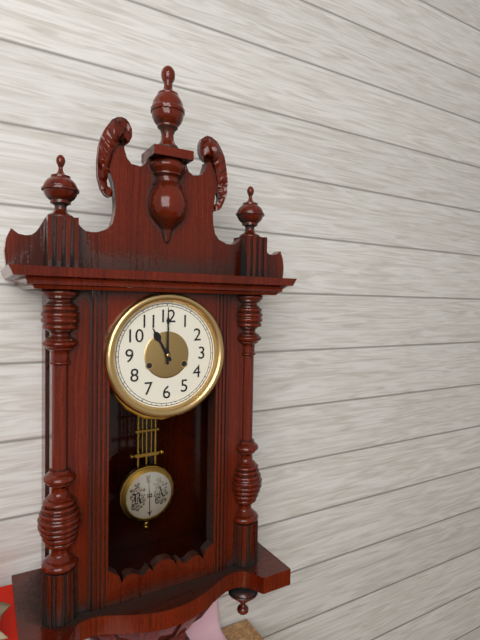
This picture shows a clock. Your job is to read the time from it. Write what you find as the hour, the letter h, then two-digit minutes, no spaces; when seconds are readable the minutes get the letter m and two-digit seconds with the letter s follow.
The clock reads 11h00
